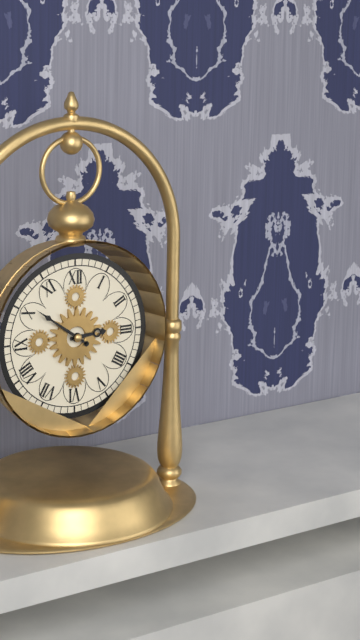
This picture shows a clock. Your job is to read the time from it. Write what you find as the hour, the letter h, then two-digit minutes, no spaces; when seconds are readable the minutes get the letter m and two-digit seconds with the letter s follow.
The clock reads 2h51
